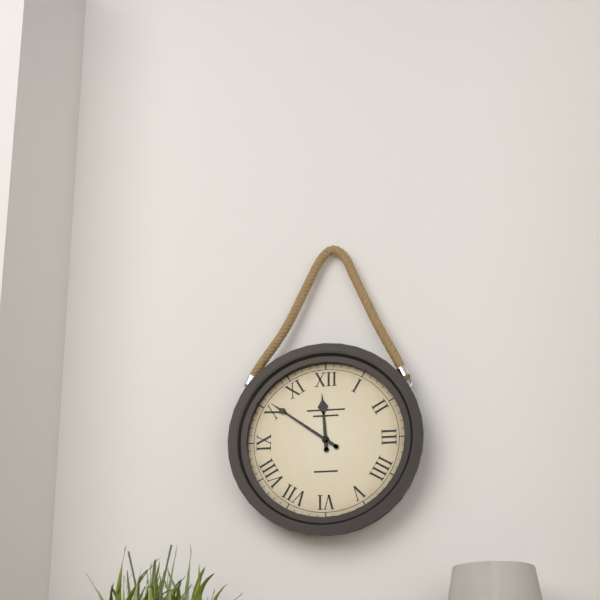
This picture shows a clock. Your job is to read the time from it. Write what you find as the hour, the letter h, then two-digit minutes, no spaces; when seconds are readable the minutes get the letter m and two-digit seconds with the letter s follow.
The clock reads 11h51
